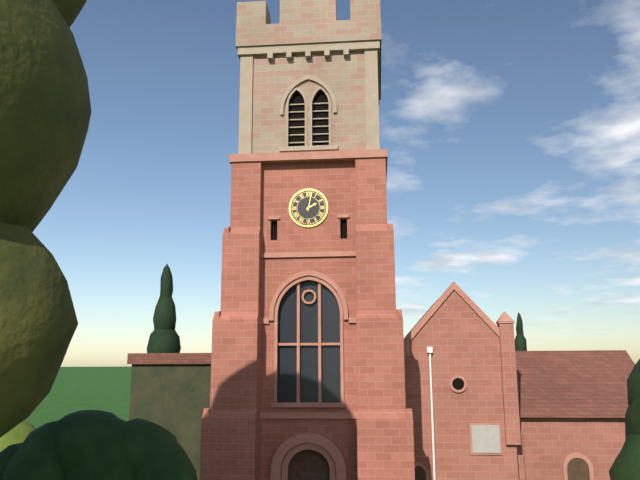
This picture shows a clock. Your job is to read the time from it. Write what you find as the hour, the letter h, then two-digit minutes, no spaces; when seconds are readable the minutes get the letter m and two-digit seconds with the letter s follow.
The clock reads 2h02
